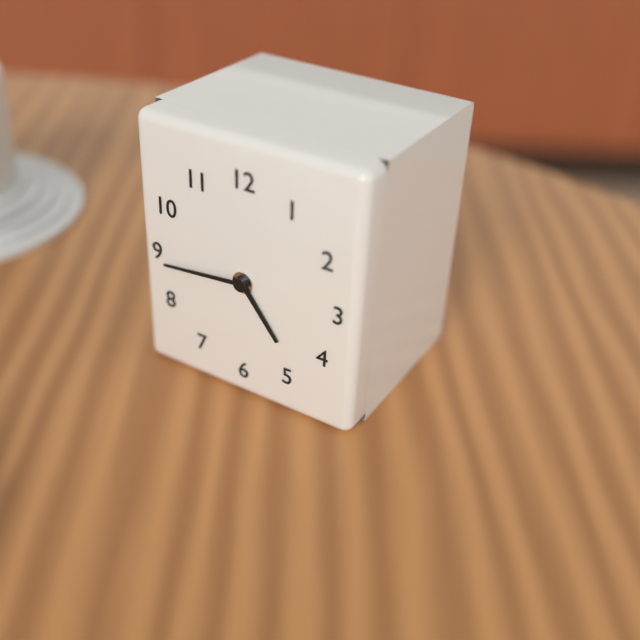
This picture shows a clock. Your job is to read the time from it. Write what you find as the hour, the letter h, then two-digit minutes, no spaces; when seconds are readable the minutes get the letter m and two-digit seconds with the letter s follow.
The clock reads 4h44
